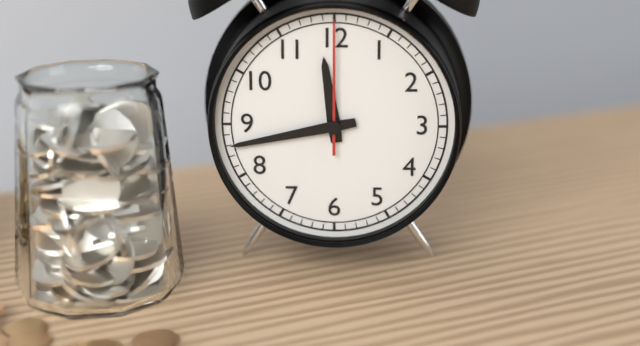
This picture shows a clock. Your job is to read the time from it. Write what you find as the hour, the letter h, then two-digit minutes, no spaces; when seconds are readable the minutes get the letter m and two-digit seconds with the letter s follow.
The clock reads 11h43m00s
